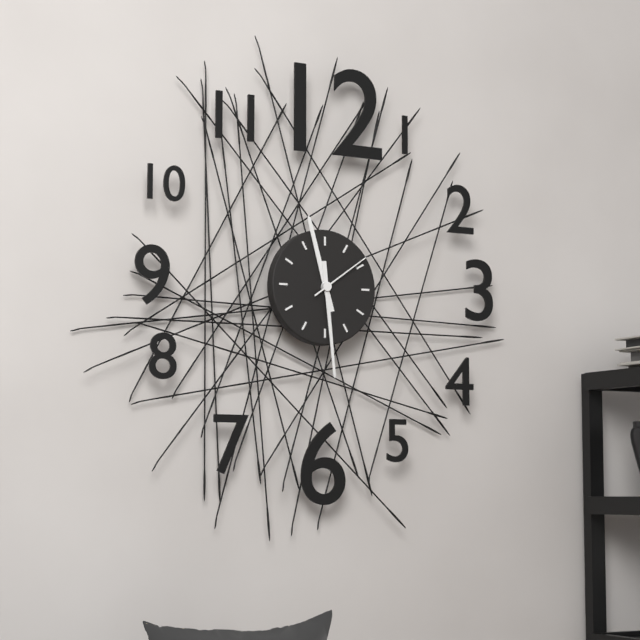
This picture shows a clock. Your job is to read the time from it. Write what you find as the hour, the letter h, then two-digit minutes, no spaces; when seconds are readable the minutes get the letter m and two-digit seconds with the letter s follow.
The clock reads 11h29m09s
